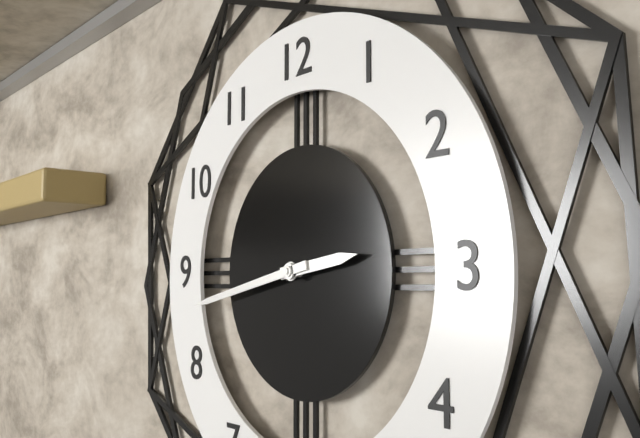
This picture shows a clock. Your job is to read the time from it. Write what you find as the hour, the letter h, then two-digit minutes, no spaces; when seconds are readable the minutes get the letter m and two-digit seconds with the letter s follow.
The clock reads 2h43
